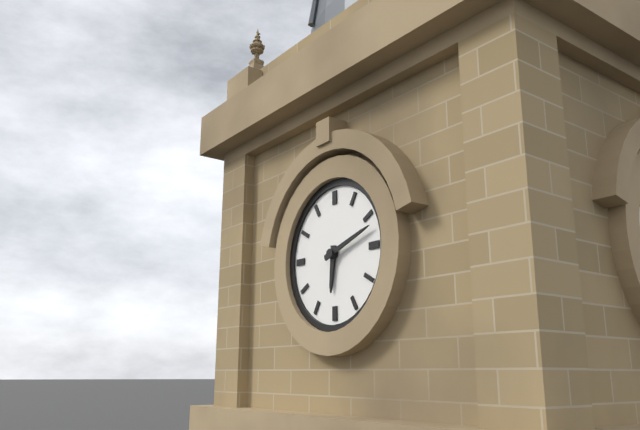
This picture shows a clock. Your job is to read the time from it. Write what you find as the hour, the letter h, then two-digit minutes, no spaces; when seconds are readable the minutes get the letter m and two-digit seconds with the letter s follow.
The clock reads 6h12
